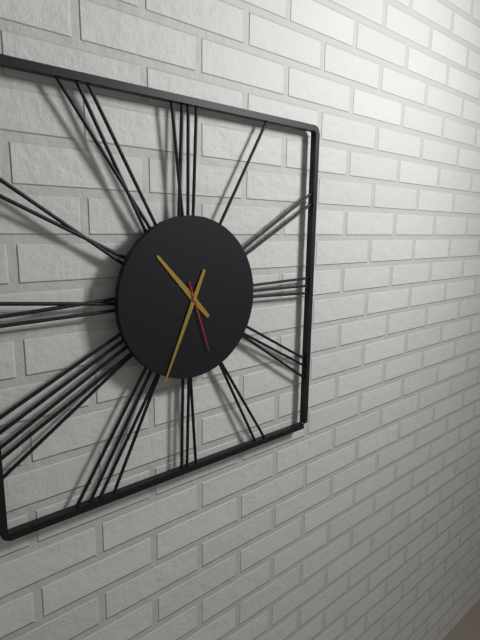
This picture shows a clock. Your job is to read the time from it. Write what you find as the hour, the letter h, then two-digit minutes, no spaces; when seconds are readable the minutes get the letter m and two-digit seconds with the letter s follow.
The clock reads 10h34m27s
